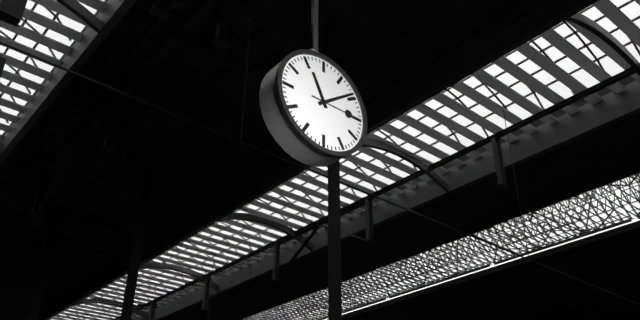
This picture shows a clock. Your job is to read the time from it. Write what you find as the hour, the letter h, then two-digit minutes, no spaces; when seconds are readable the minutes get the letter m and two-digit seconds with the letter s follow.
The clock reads 11h09
